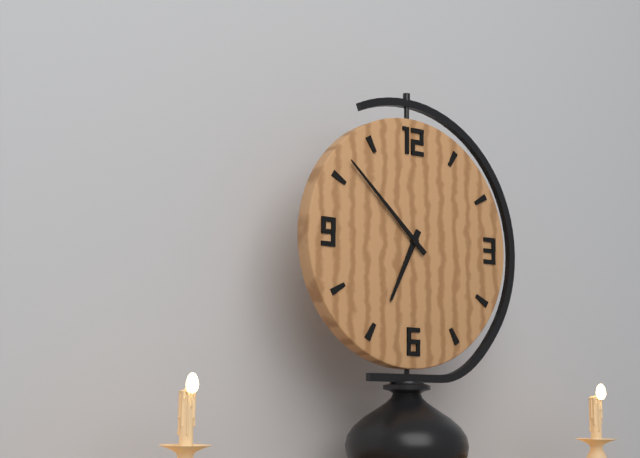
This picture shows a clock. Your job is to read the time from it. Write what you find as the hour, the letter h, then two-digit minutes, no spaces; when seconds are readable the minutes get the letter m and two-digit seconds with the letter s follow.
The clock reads 6h52
